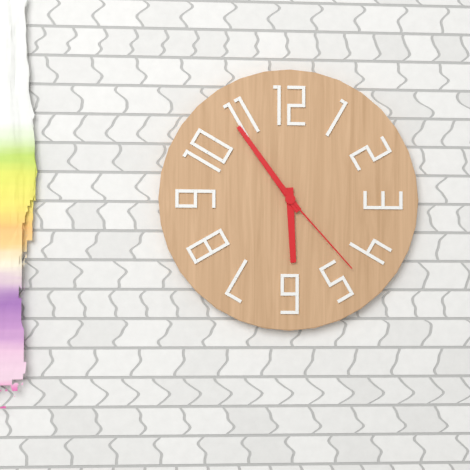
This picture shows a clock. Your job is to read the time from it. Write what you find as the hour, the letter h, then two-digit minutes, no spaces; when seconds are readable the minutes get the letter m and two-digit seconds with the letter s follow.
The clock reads 5h54m23s
